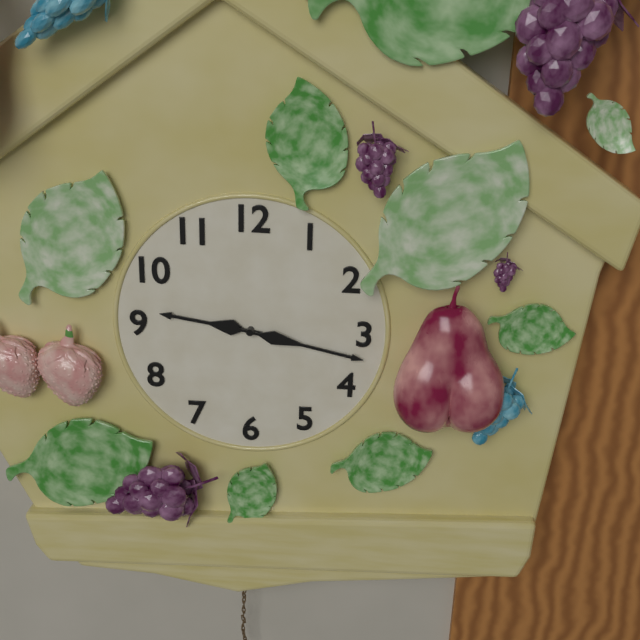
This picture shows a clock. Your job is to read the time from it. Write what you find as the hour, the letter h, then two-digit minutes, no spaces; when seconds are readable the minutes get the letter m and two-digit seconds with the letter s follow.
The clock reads 9h17
